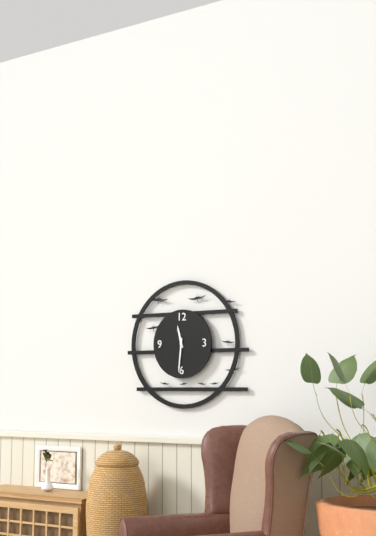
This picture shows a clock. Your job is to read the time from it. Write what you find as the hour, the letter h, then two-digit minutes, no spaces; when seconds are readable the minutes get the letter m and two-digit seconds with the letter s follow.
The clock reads 11h31
